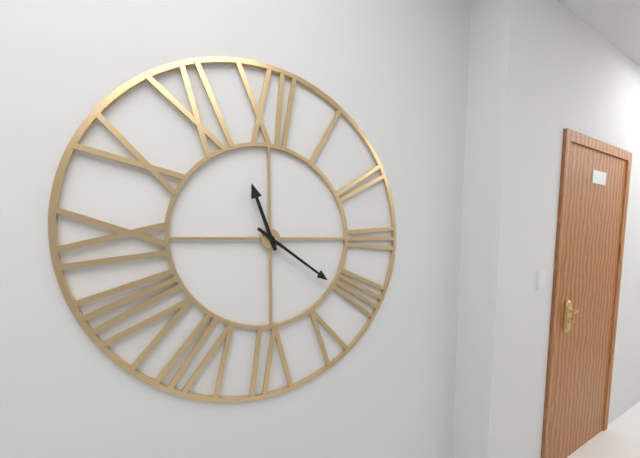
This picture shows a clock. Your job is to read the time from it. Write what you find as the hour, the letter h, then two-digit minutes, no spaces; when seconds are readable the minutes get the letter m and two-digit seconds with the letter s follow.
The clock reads 11h21
